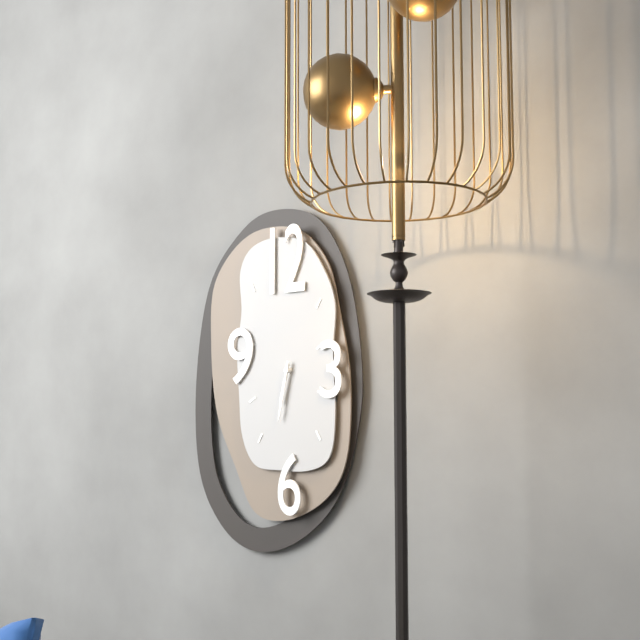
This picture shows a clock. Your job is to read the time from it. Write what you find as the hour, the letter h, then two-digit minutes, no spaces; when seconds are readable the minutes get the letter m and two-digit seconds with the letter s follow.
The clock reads 6h32
